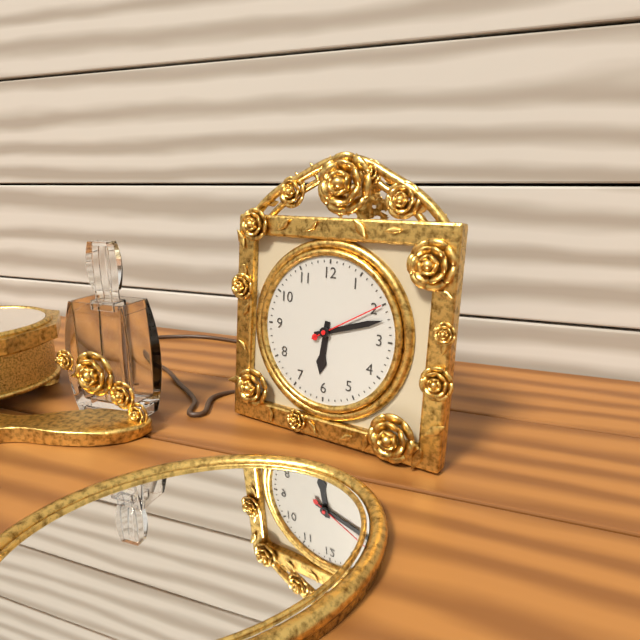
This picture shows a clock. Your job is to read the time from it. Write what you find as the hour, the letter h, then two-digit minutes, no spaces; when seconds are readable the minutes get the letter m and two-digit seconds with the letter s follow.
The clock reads 6h12m10s
